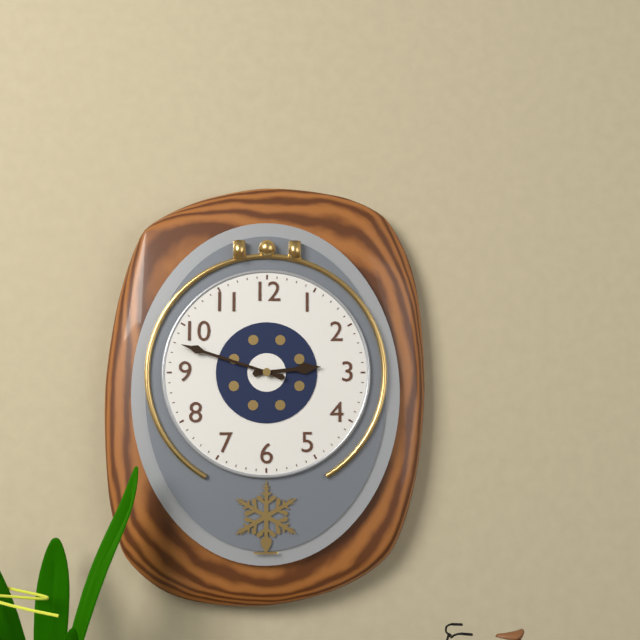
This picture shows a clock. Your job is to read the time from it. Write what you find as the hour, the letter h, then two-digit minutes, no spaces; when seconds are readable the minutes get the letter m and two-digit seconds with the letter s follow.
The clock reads 2h48
